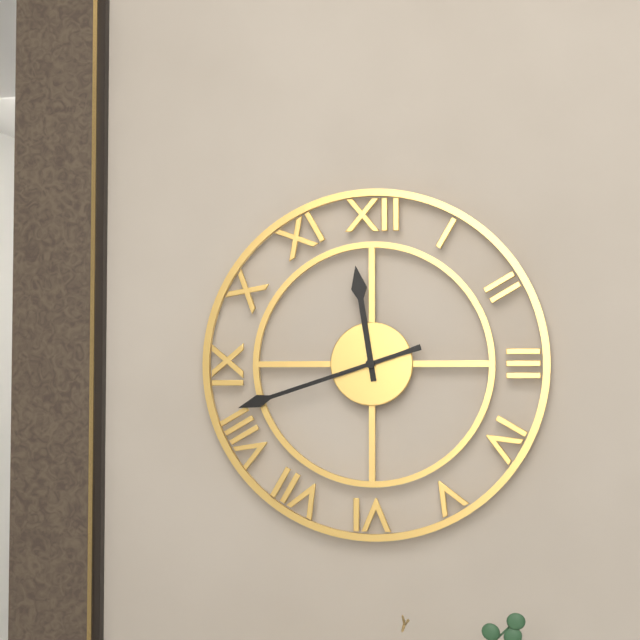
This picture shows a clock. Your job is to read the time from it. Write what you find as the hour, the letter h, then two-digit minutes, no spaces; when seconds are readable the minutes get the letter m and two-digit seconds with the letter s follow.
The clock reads 11h42
